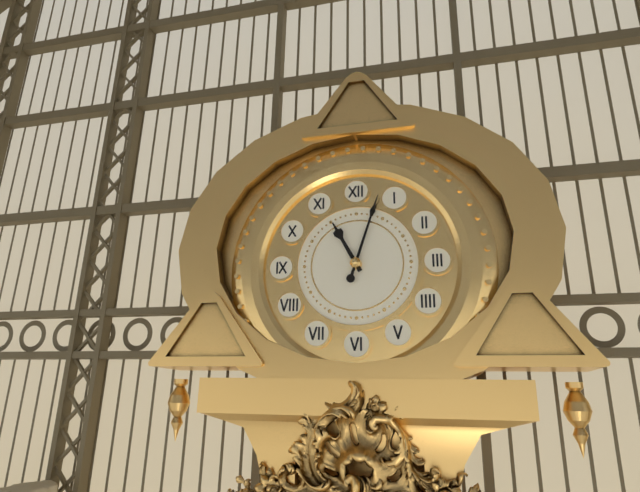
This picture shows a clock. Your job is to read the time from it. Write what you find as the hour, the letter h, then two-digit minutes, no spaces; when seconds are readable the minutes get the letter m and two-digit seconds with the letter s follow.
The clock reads 11h03
